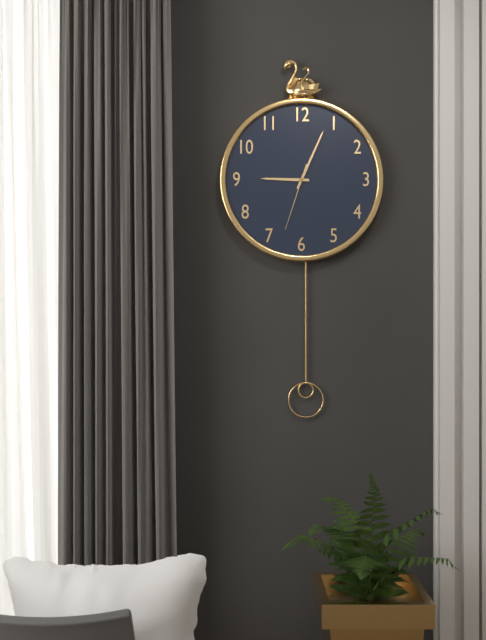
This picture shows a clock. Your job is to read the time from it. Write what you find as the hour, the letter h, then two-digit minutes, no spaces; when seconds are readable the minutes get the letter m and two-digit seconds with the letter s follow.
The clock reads 9h04m33s
